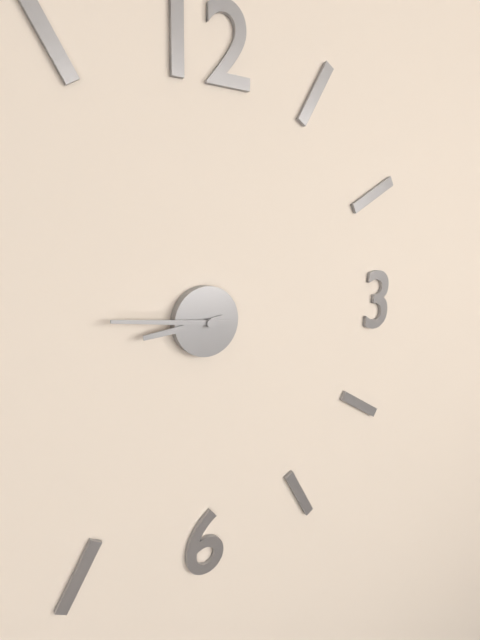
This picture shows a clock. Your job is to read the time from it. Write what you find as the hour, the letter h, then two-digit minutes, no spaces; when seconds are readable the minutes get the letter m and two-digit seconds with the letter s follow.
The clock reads 8h46
